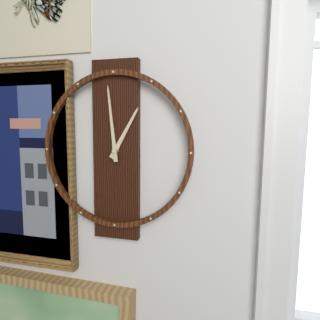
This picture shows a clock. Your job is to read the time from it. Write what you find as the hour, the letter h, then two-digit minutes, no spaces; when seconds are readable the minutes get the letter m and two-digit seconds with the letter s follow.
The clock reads 12h59
